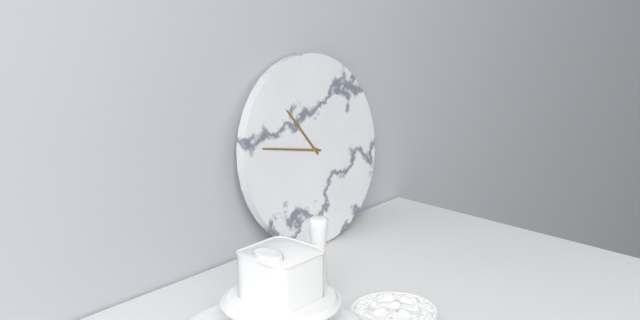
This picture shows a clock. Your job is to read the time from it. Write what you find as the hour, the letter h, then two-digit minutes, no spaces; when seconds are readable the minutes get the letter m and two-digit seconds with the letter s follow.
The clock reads 10h47
